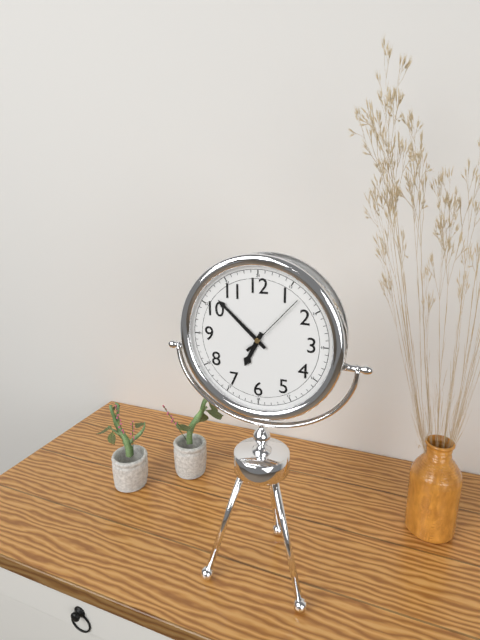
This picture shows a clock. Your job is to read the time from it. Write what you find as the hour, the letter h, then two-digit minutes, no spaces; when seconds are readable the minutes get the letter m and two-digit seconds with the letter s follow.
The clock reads 6h52m07s
